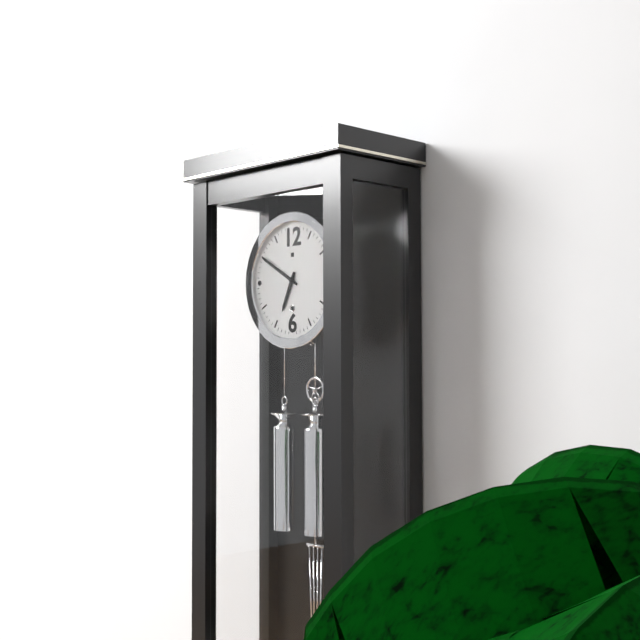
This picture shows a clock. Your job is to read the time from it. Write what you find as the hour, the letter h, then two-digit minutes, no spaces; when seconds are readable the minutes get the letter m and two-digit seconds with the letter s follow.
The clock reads 6h50
